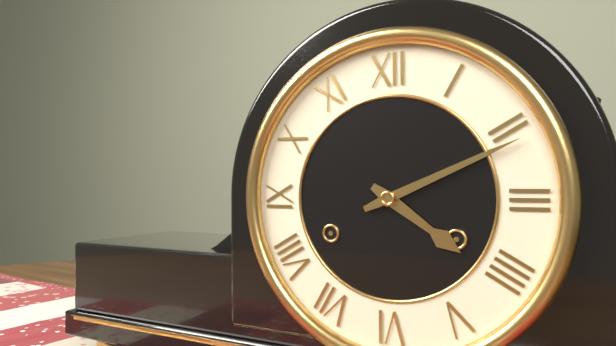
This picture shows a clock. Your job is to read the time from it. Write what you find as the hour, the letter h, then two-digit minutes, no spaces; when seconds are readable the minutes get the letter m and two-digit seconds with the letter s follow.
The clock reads 4h11
